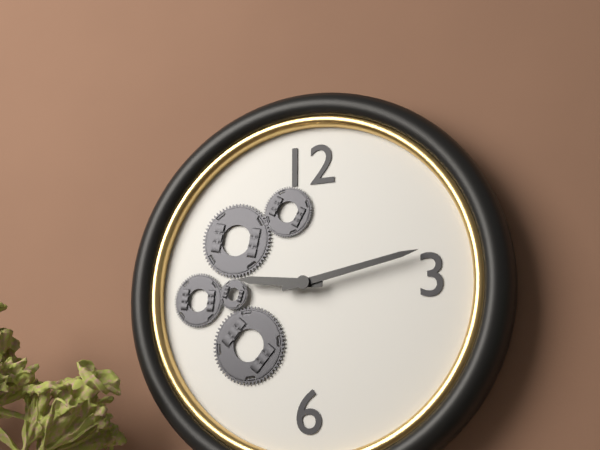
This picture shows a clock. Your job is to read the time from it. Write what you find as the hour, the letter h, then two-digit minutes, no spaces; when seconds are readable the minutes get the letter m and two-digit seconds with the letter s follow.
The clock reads 9h13
